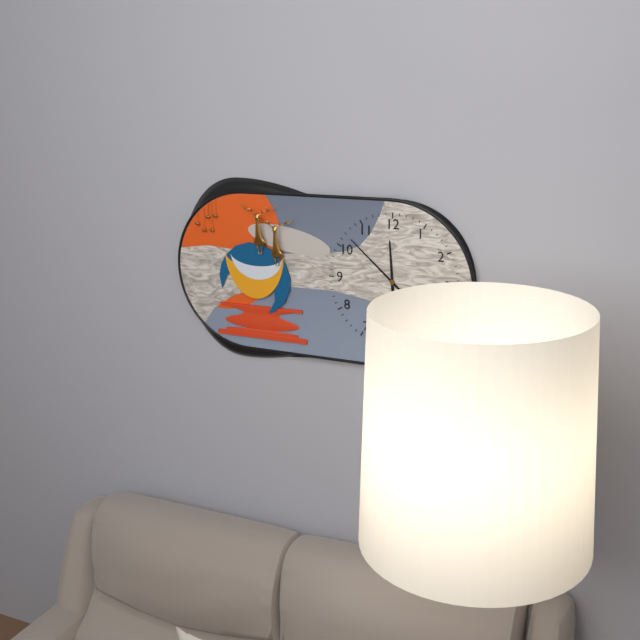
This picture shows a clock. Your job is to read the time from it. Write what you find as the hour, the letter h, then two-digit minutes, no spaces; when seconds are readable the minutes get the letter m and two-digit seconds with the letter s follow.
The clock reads 11h52
